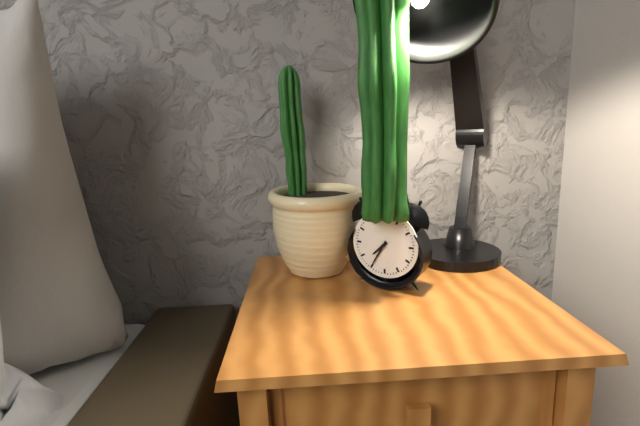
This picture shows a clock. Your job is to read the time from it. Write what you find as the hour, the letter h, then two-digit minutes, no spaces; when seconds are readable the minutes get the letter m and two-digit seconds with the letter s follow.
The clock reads 7h35
